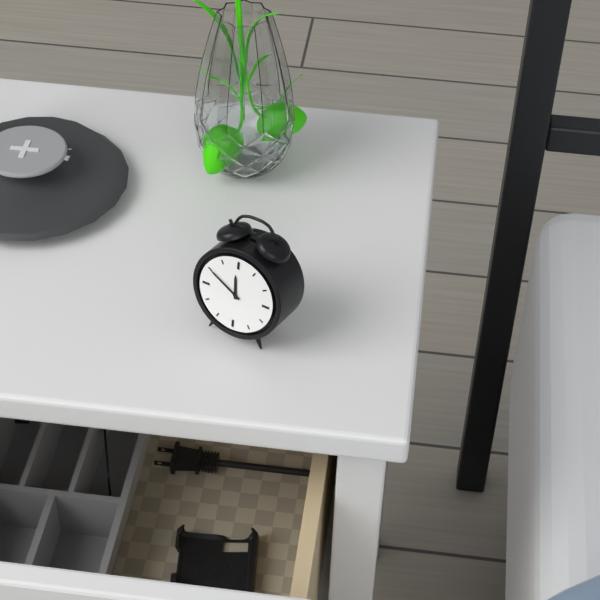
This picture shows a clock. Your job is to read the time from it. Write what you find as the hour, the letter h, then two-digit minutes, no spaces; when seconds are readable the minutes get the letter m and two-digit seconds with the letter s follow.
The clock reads 11h50
